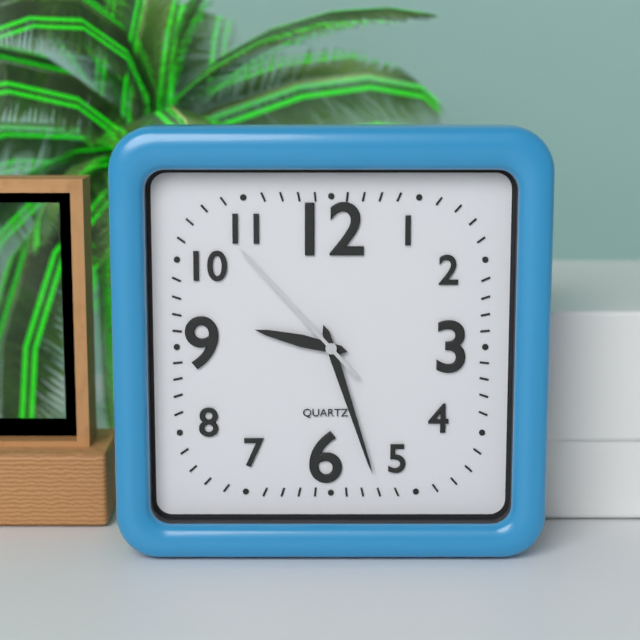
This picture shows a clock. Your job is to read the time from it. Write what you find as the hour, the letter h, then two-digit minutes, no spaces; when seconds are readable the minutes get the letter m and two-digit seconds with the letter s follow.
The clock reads 9h27m53s
